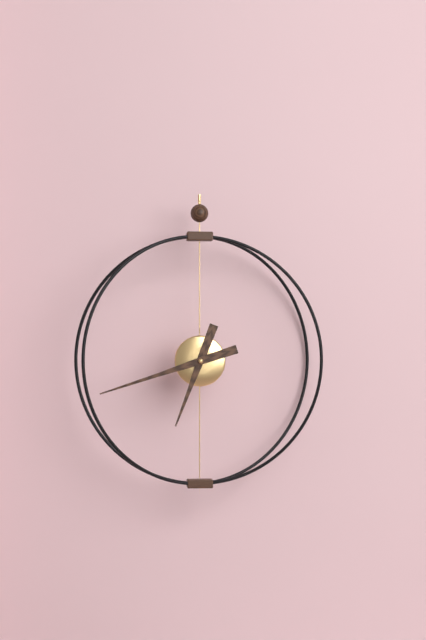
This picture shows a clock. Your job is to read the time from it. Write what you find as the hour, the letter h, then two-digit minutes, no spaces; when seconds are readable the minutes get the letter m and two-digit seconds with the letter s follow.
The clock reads 6h42
